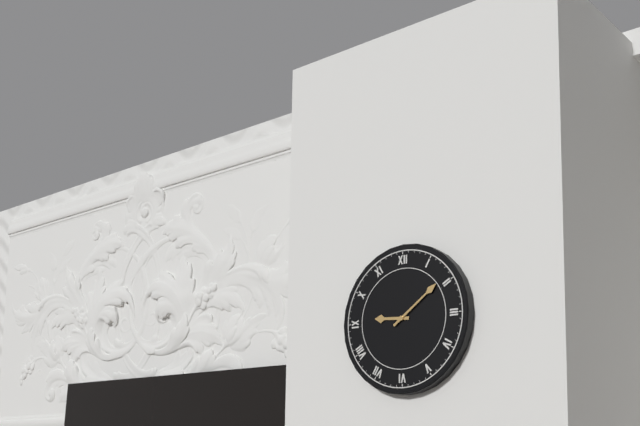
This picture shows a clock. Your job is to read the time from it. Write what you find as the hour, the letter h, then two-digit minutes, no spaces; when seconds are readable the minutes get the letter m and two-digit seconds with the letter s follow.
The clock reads 9h09
